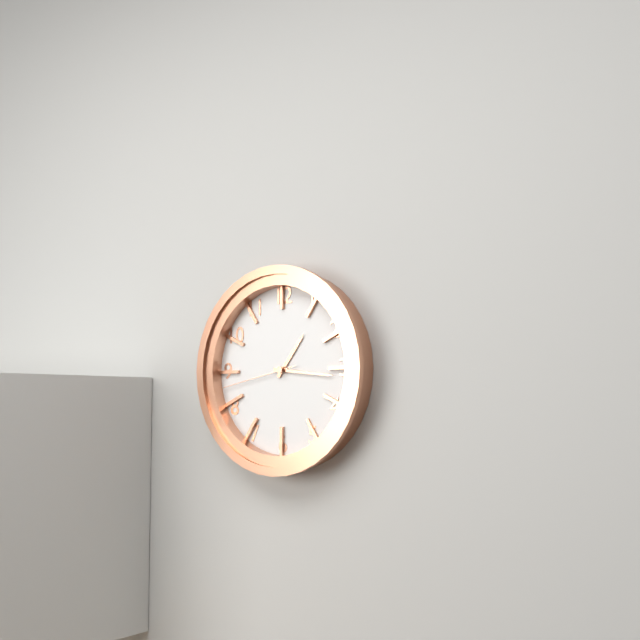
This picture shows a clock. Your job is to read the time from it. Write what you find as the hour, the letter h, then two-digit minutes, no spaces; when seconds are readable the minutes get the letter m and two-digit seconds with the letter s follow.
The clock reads 1h16m43s
